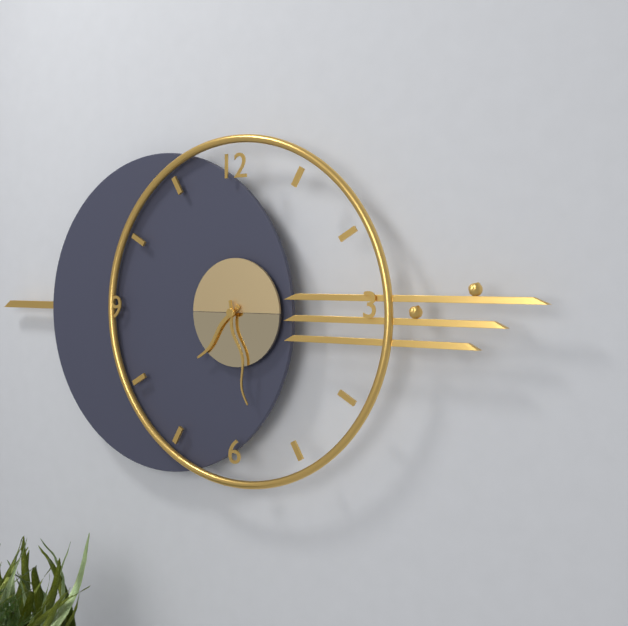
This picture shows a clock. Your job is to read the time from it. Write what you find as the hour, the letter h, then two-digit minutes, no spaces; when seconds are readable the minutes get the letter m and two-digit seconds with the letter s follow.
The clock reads 7h28
